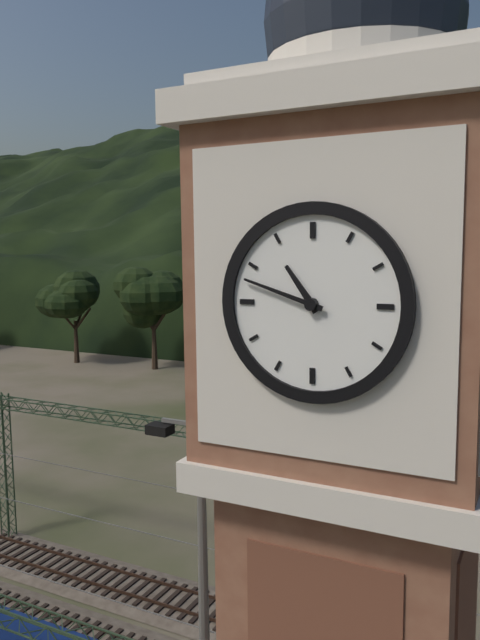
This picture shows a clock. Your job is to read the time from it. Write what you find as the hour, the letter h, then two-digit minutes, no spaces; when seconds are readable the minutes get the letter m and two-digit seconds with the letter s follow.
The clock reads 10h48
